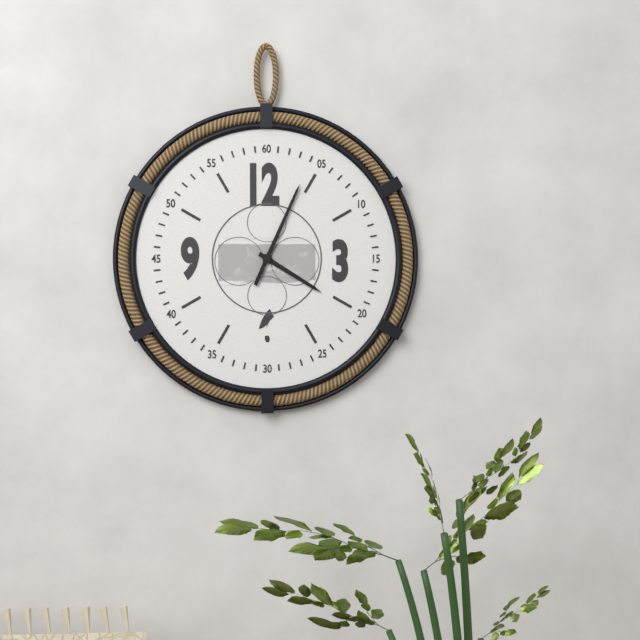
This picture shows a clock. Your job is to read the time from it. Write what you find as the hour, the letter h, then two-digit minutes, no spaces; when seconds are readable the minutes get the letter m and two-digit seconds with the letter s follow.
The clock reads 4h04
